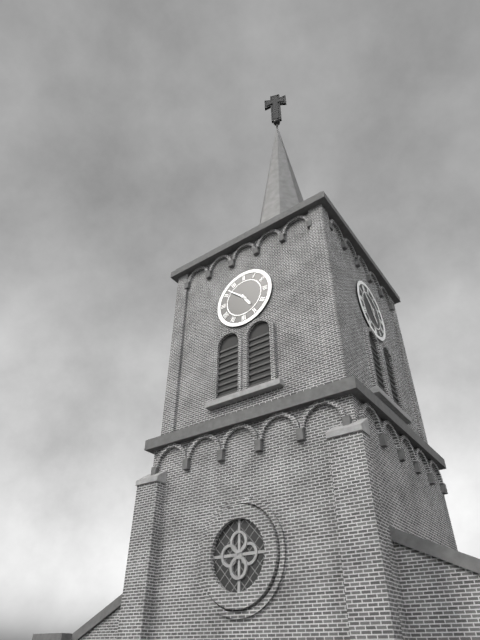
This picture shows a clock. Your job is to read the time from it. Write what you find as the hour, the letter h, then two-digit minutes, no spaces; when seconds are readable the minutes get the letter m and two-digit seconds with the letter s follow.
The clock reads 4h52
